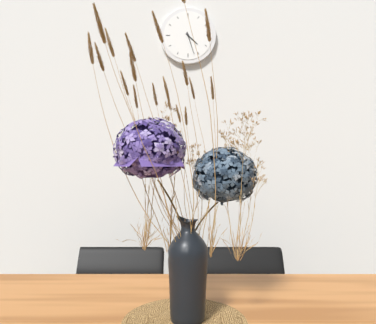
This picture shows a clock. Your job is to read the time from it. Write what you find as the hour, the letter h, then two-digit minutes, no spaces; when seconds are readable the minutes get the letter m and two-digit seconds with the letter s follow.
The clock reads 4h27
